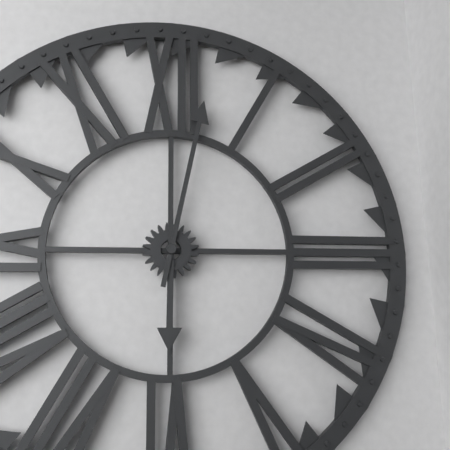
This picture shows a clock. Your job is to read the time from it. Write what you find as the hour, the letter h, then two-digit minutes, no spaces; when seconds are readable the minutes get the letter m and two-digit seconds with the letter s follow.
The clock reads 6h02
